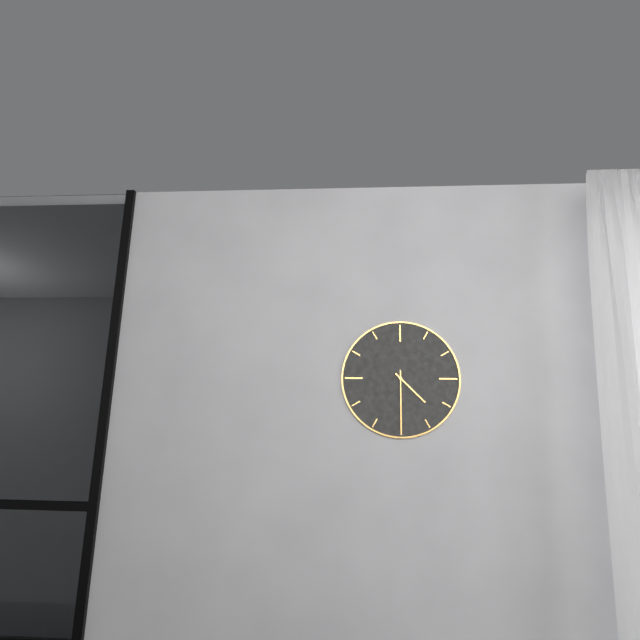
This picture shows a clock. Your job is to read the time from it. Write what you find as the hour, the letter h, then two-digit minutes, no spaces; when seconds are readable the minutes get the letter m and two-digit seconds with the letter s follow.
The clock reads 4h30
